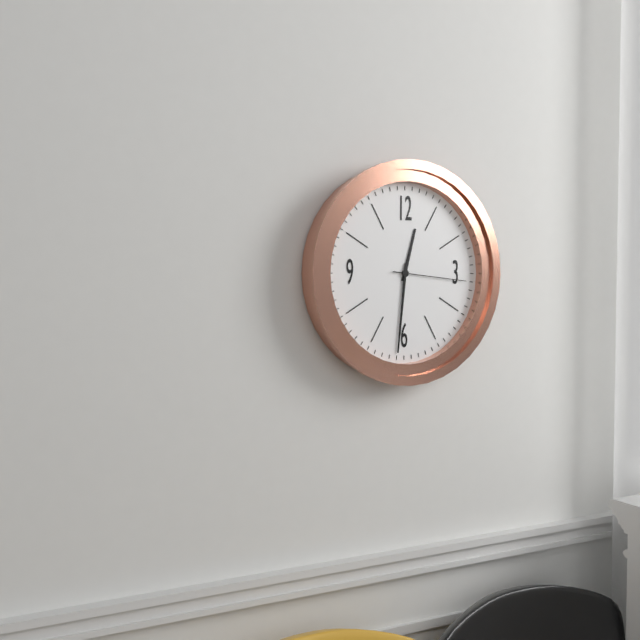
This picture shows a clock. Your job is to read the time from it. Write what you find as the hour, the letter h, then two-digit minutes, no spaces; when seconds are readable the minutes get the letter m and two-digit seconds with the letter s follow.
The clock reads 12h31m16s
